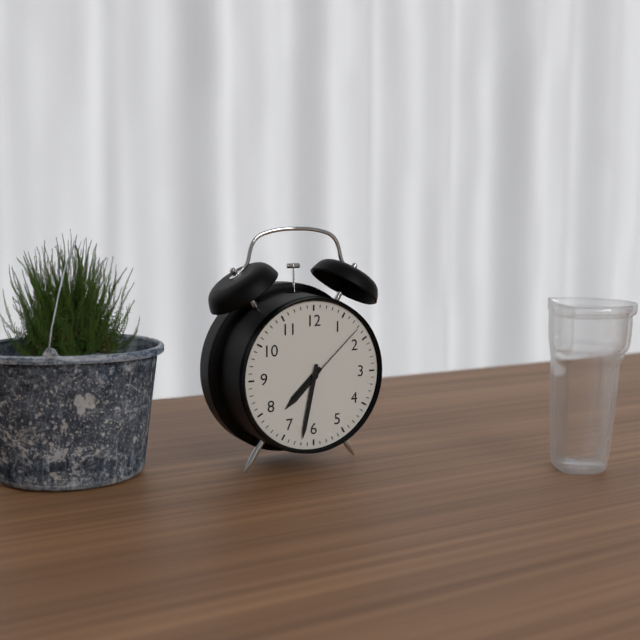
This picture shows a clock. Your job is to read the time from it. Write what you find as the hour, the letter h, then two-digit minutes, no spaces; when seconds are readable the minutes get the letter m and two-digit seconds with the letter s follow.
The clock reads 7h32m08s
